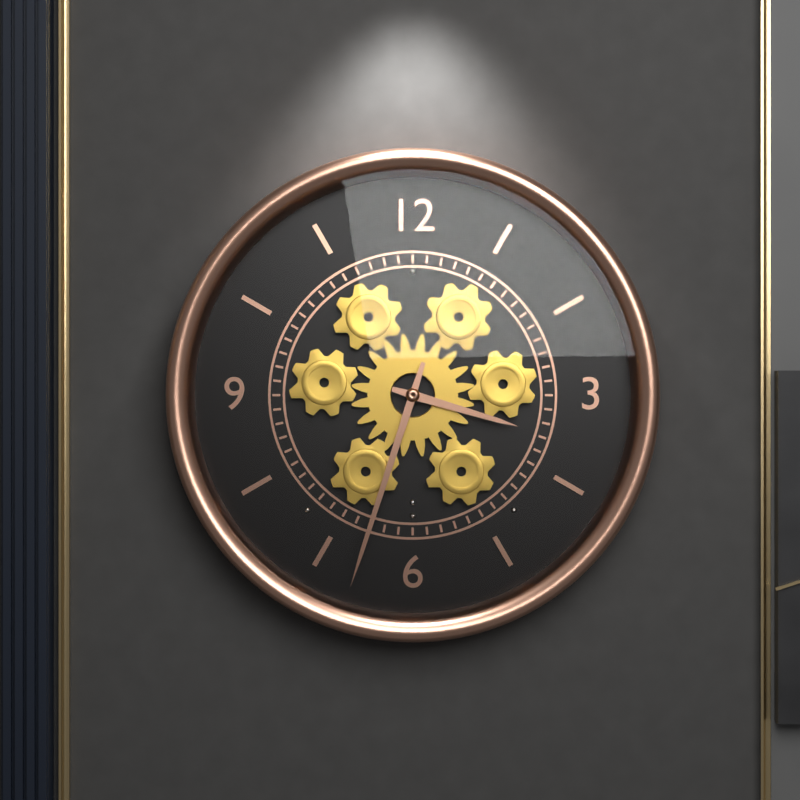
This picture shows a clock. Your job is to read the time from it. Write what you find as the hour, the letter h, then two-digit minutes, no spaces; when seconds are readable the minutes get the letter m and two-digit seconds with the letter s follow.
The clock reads 3h33
